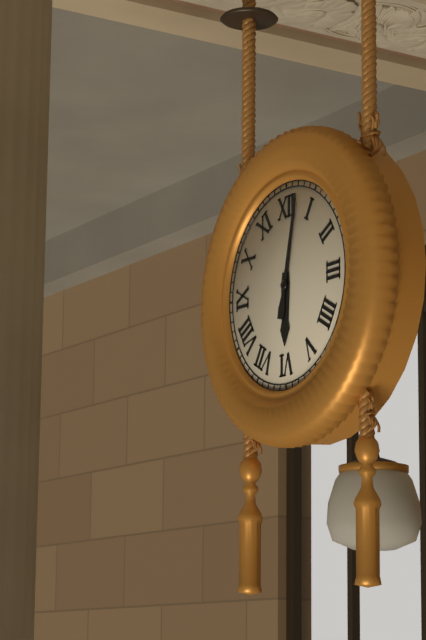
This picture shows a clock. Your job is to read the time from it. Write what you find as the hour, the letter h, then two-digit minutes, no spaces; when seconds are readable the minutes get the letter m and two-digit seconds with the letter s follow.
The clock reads 6h02
